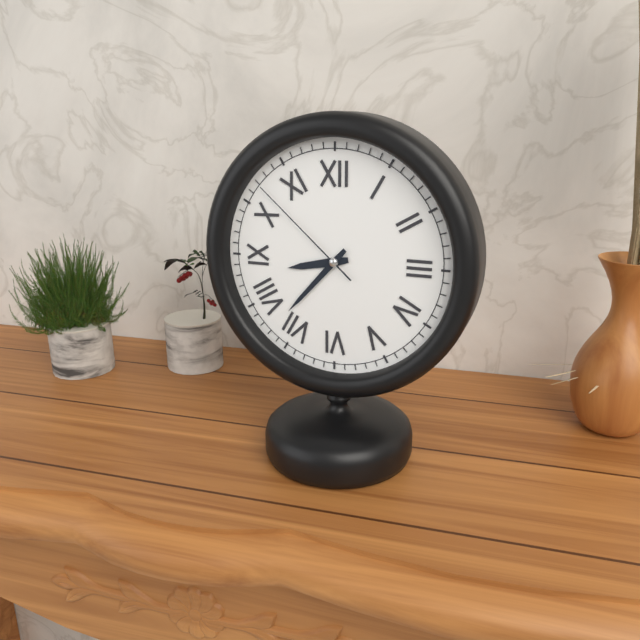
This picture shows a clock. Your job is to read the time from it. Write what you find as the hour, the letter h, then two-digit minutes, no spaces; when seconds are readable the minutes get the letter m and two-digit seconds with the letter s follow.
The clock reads 8h37m52s
